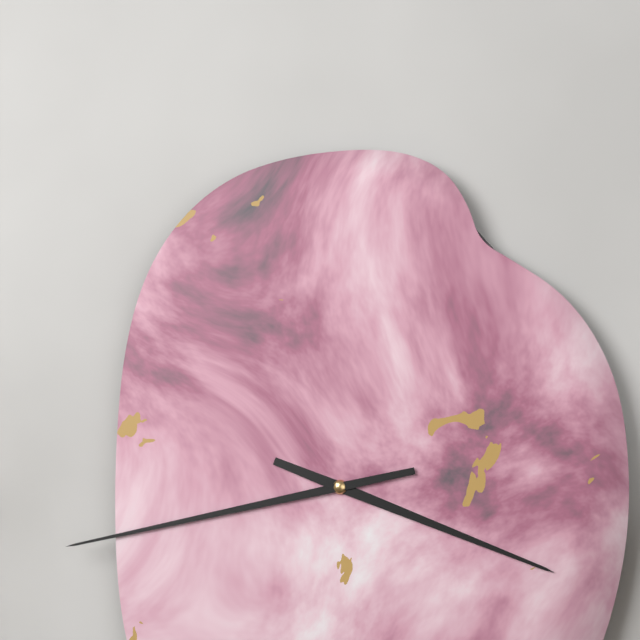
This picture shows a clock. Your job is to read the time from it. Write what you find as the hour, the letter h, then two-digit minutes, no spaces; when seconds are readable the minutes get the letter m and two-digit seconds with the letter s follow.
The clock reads 3h43
